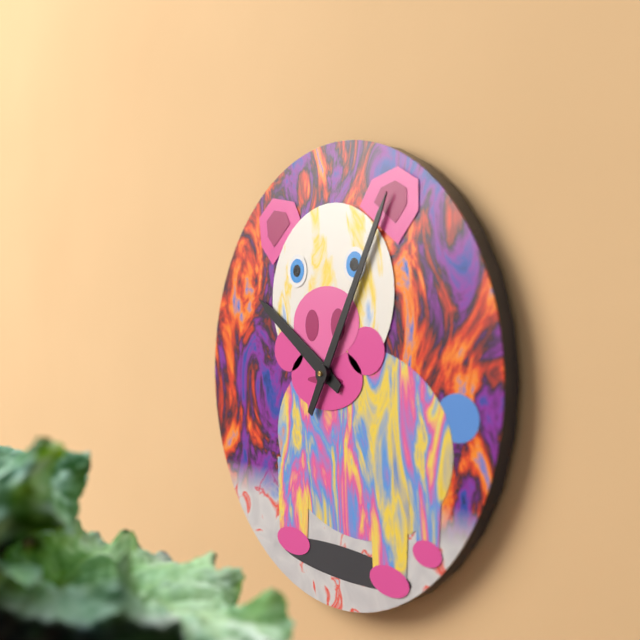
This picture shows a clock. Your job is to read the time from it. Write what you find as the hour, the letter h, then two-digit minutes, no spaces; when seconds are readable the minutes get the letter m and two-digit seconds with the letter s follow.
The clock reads 10h05
